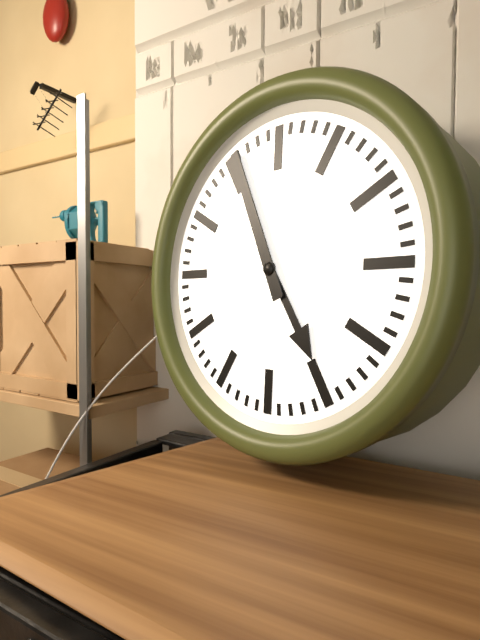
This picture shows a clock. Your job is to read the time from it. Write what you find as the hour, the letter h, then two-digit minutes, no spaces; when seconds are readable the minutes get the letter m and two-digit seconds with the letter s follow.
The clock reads 4h56
